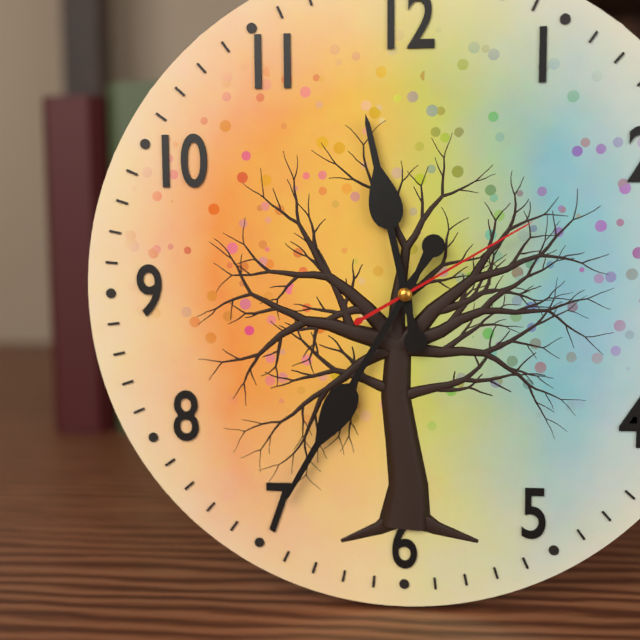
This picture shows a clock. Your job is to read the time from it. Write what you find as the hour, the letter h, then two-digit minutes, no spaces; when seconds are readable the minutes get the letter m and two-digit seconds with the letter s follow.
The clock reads 11h35m10s
